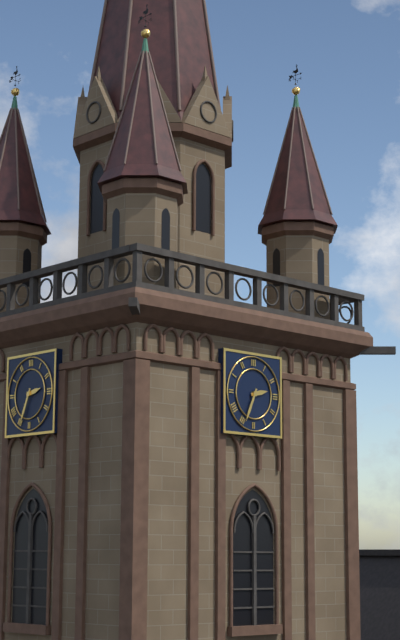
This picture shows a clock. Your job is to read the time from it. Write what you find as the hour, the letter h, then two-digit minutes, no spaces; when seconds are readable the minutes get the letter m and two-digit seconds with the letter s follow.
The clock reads 2h34
